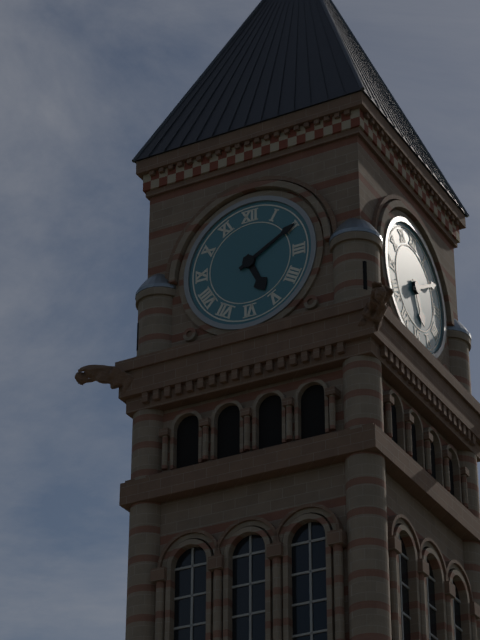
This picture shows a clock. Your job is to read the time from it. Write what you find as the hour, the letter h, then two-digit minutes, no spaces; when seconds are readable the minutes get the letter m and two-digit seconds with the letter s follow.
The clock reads 5h10
